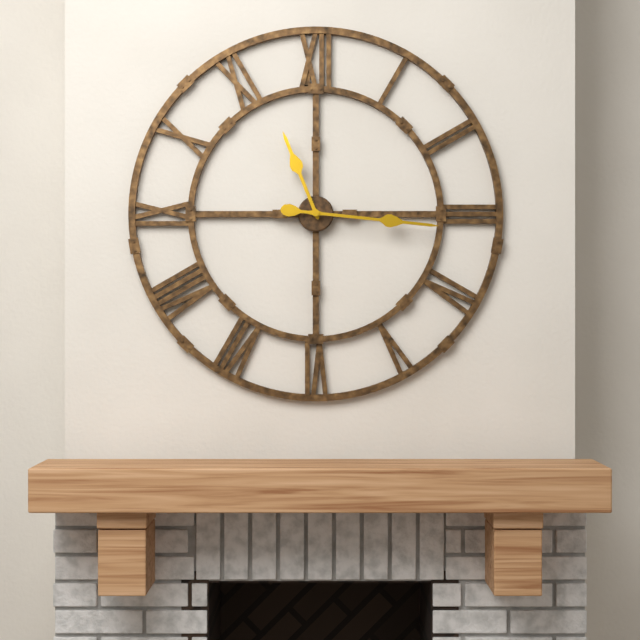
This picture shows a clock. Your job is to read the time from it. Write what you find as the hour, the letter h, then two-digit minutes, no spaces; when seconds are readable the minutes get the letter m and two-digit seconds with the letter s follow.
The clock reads 11h16
